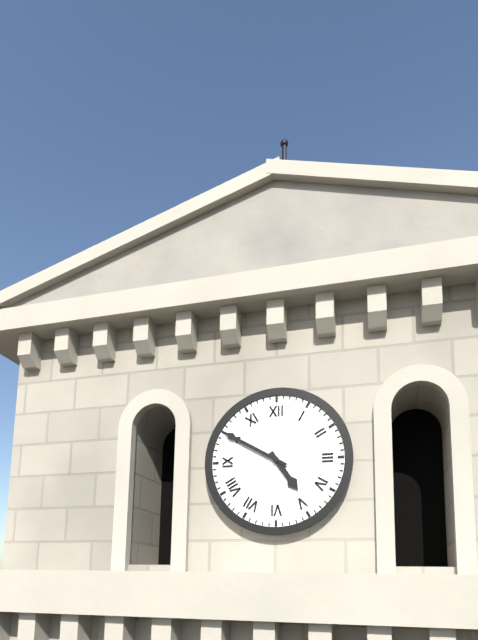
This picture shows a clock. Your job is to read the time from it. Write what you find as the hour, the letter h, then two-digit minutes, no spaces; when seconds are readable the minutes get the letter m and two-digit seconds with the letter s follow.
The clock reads 4h50
